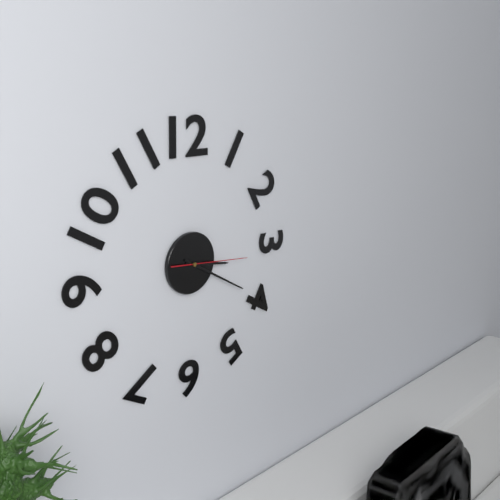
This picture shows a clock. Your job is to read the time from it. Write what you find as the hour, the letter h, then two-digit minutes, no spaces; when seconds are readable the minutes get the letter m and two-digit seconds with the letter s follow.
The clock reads 3h20m16s
